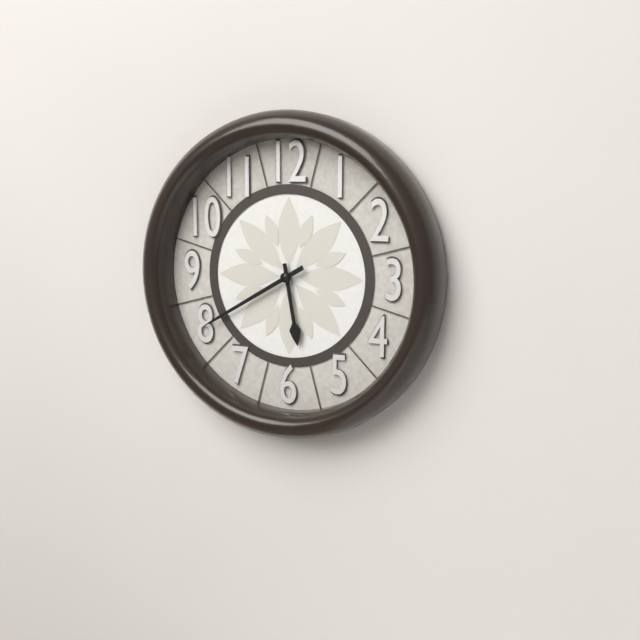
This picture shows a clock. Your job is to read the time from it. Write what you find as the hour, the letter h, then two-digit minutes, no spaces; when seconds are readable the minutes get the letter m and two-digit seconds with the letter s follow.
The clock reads 5h40
